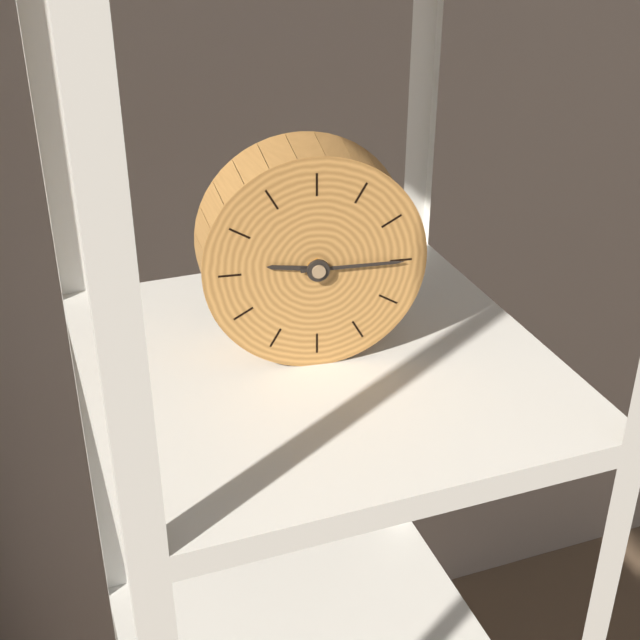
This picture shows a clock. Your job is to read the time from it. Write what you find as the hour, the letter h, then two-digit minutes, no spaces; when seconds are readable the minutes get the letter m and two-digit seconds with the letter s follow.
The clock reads 9h15
